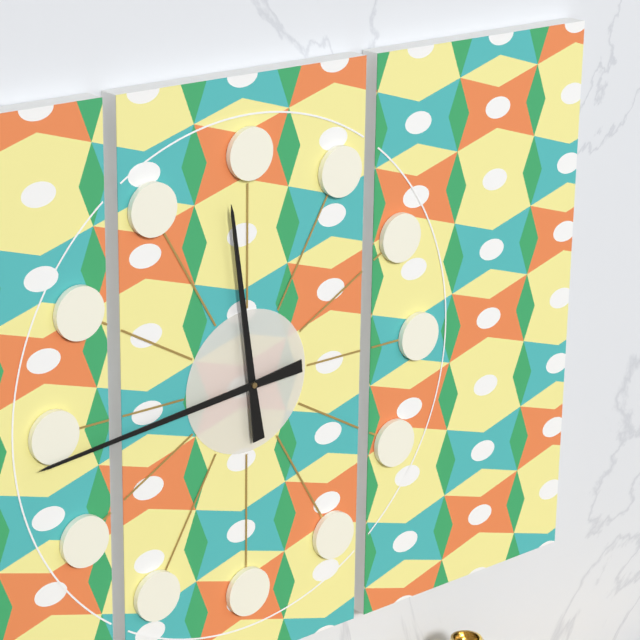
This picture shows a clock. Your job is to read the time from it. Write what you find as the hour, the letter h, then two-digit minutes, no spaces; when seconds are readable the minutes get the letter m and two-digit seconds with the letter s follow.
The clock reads 11h44
